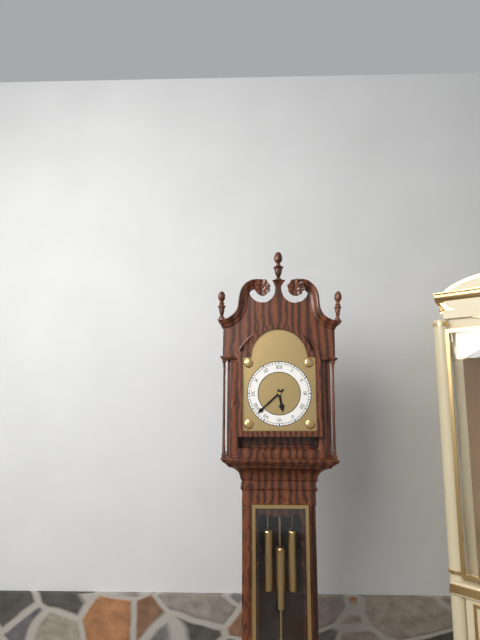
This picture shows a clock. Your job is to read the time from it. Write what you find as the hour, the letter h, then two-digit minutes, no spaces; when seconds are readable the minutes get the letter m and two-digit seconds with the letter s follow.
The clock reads 5h38
